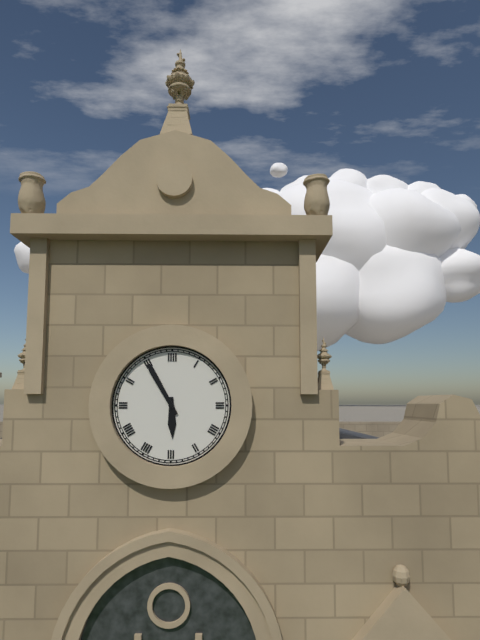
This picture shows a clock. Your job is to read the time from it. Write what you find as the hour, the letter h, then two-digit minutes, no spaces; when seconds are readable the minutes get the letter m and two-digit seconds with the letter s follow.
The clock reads 5h55
